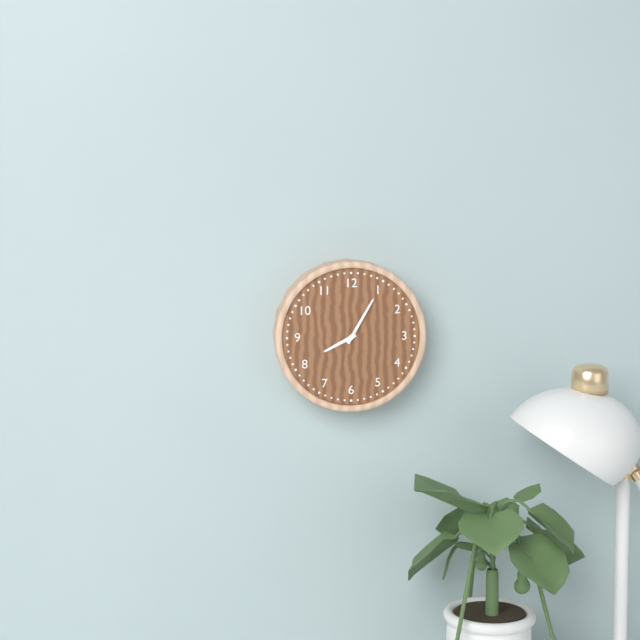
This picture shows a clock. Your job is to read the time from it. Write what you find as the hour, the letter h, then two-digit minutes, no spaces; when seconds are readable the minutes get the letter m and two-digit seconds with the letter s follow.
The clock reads 8h05
